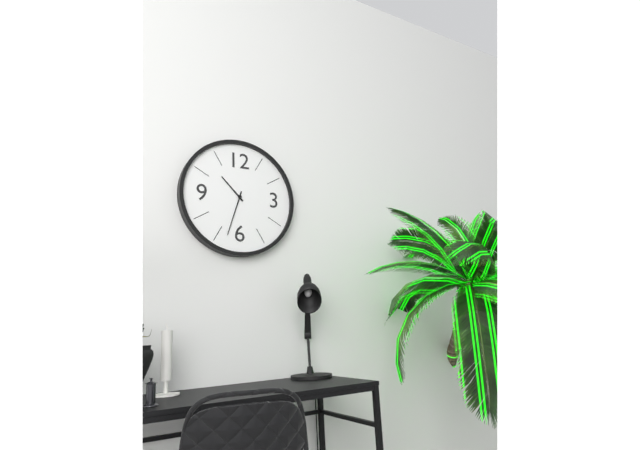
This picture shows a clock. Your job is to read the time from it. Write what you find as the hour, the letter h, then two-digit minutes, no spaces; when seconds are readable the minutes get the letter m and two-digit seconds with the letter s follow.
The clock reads 10h33
